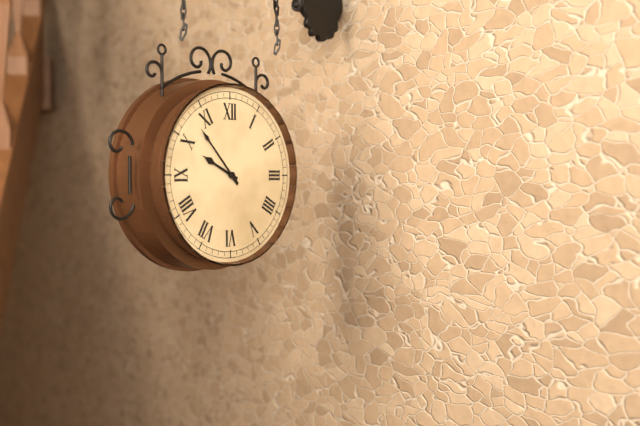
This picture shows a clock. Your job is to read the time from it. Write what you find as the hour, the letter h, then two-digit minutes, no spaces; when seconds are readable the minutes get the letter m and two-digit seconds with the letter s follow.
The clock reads 9h53
